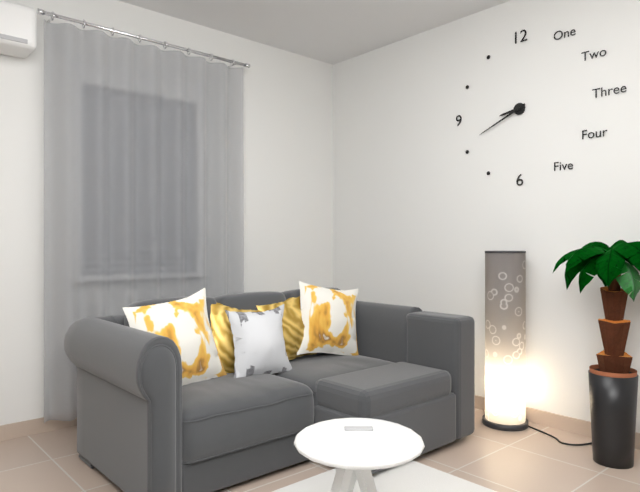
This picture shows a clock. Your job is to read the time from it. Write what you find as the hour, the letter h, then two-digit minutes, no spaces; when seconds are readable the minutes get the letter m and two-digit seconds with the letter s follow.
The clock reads 8h41
